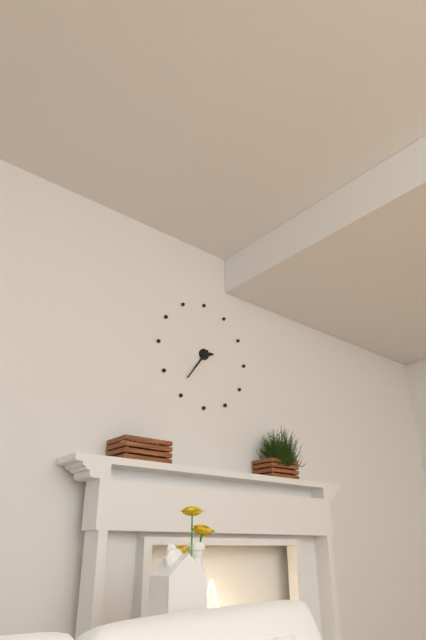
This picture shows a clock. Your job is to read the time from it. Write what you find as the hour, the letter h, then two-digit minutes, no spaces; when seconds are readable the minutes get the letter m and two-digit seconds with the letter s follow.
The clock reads 2h36
